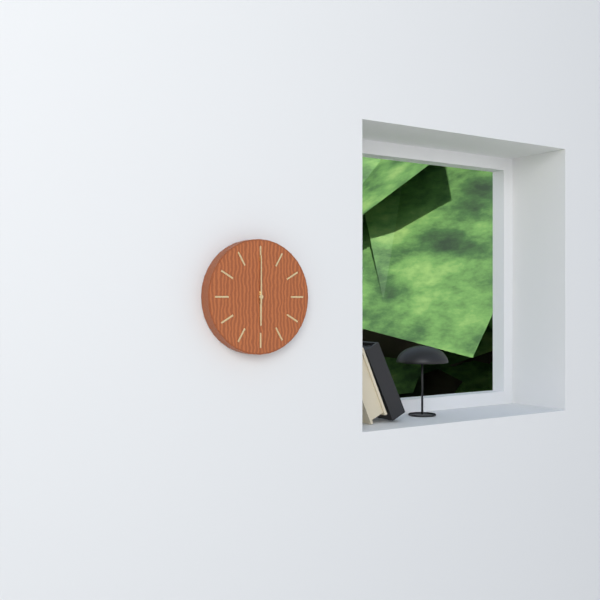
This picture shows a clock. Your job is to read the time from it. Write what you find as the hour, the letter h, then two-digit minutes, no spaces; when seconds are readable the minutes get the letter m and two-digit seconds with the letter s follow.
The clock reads 6h00
